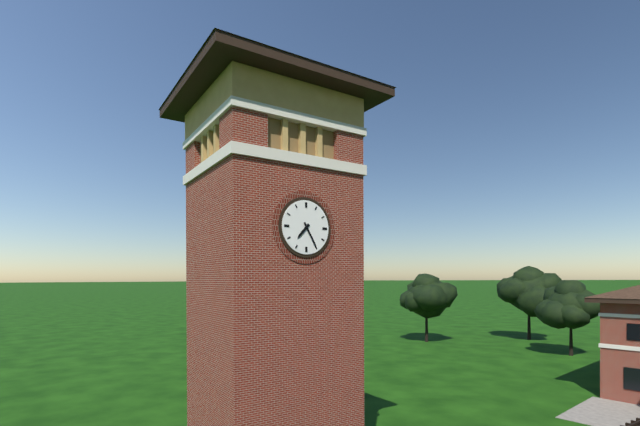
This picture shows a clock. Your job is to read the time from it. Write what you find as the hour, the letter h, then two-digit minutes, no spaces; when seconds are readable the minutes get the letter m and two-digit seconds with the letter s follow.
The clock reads 7h25
